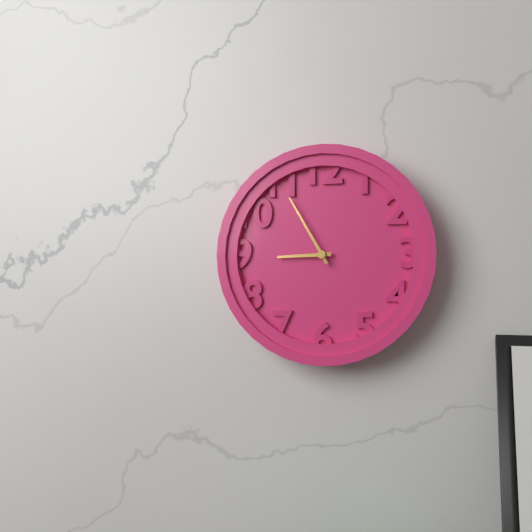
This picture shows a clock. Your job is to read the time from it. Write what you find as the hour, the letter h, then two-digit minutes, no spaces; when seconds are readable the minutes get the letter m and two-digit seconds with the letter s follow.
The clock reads 8h55
